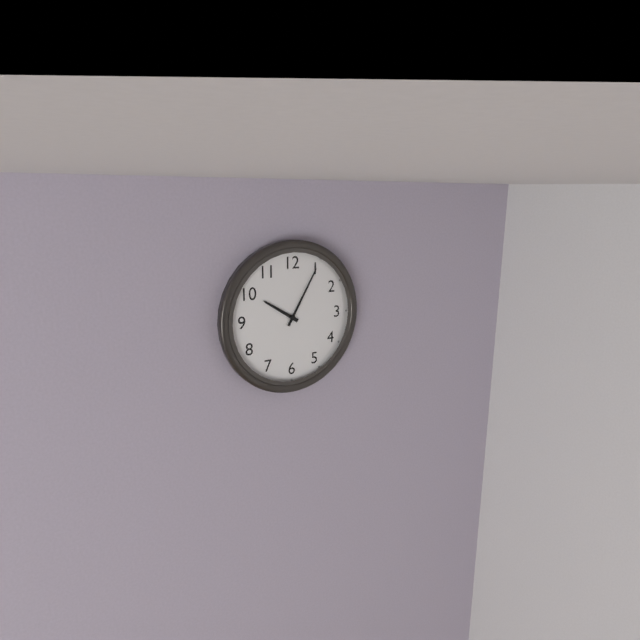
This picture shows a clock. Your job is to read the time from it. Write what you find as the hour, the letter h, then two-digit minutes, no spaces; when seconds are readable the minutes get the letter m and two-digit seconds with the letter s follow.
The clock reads 10h05
